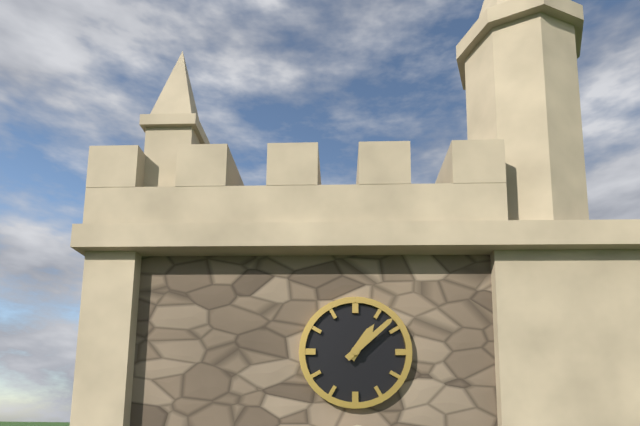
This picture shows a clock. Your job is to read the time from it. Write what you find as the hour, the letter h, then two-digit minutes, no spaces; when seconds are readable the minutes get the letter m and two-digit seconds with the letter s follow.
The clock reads 1h08
